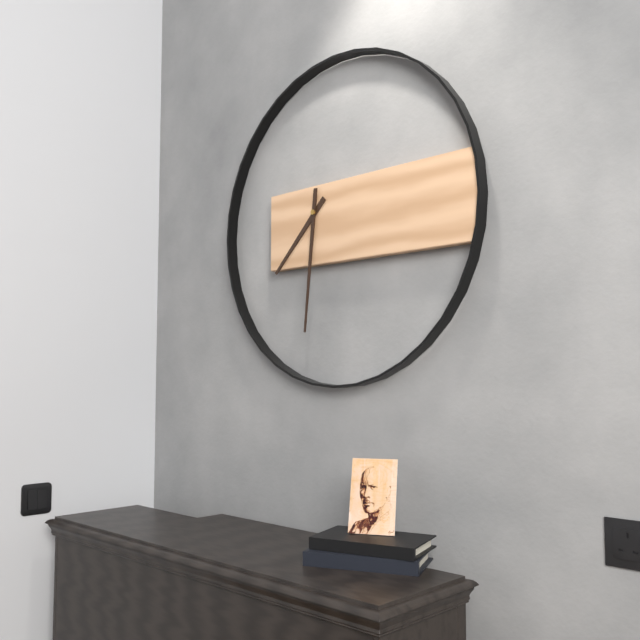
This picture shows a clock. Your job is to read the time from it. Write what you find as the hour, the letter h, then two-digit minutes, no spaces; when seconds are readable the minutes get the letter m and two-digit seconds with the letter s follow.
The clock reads 7h31
